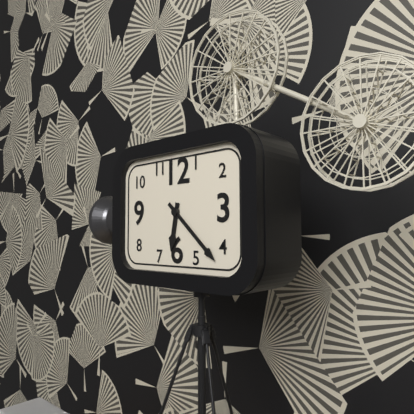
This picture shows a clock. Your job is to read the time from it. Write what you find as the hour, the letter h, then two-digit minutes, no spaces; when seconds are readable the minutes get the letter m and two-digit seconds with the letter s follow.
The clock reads 6h22
